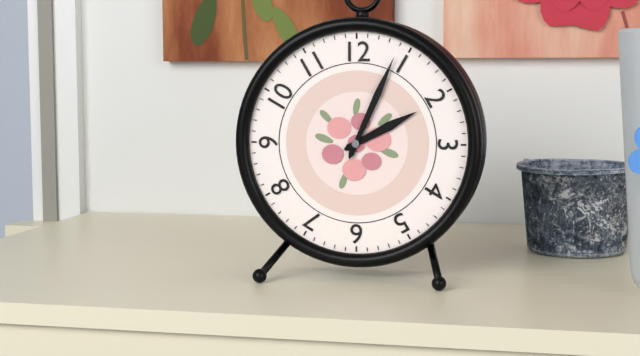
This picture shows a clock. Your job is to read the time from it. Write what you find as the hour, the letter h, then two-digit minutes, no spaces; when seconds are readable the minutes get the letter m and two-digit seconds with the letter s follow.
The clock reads 2h04
